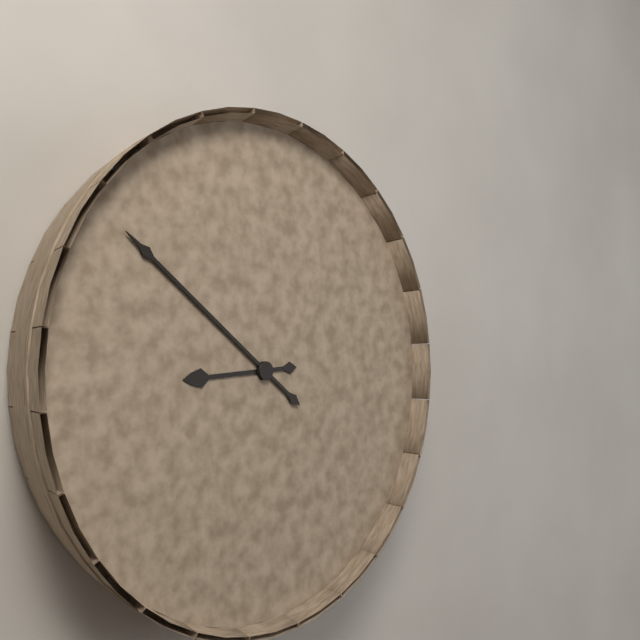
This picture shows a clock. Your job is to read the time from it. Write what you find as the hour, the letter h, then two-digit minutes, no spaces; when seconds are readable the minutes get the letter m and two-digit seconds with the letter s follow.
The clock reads 8h51
